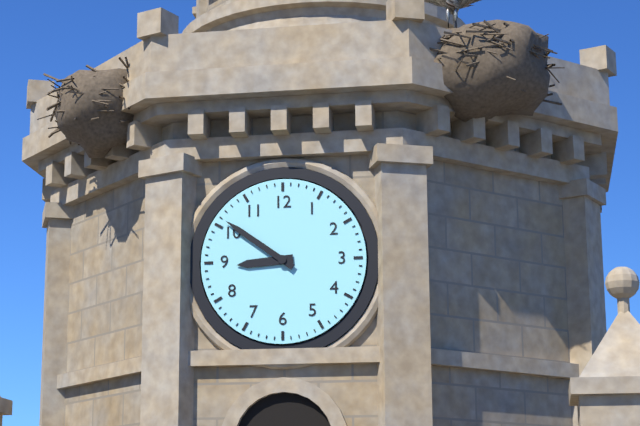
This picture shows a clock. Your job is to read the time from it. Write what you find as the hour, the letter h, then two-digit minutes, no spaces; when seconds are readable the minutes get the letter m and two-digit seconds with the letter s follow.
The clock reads 8h51
